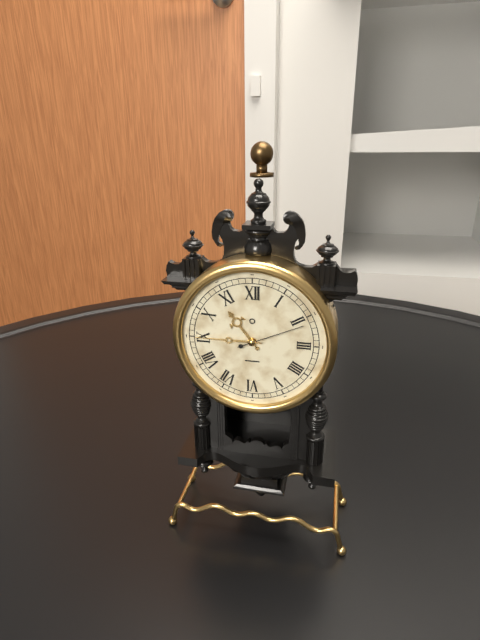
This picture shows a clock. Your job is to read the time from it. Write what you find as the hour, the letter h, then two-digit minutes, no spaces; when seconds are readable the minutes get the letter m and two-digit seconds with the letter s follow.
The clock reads 10h45m11s
